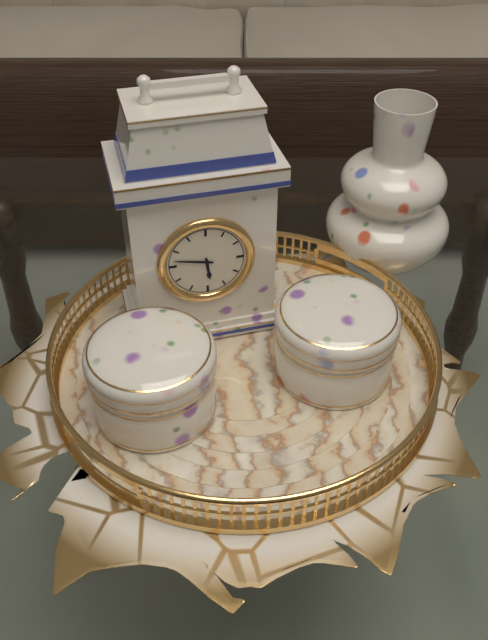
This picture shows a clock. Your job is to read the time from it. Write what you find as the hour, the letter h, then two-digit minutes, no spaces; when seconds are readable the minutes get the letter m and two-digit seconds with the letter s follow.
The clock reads 5h47
